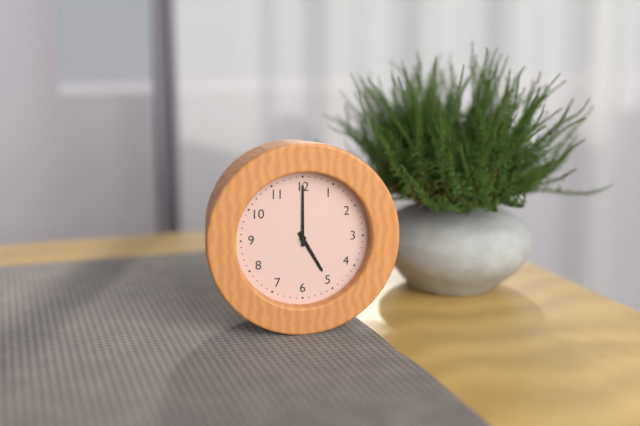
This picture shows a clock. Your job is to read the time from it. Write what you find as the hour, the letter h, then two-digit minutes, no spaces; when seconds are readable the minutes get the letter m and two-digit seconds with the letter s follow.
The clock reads 5h00
